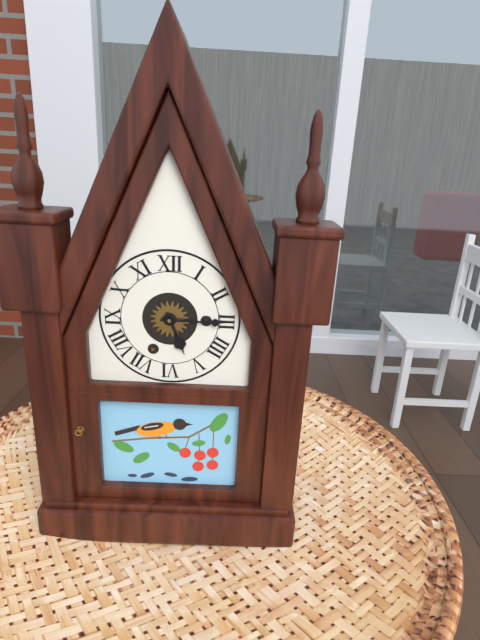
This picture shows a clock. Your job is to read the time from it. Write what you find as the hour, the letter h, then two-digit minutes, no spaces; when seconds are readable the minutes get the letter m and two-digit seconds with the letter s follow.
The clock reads 5h15
